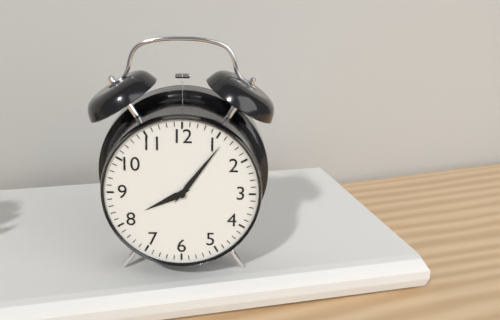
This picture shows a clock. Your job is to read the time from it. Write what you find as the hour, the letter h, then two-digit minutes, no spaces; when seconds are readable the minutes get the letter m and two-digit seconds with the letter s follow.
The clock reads 8h06
